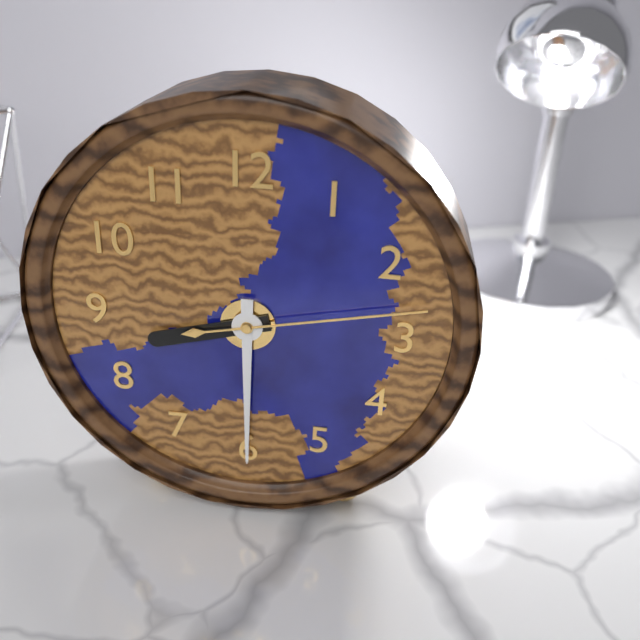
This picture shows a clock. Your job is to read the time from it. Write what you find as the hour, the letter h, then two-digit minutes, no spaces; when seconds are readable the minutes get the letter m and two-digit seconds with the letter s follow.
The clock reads 8h30m13s
